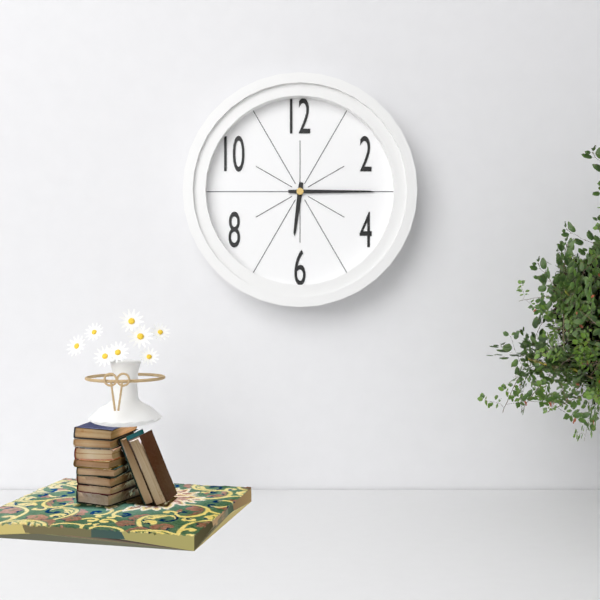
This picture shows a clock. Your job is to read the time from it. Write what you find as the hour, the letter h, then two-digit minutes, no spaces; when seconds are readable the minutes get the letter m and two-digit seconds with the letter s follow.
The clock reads 6h15
